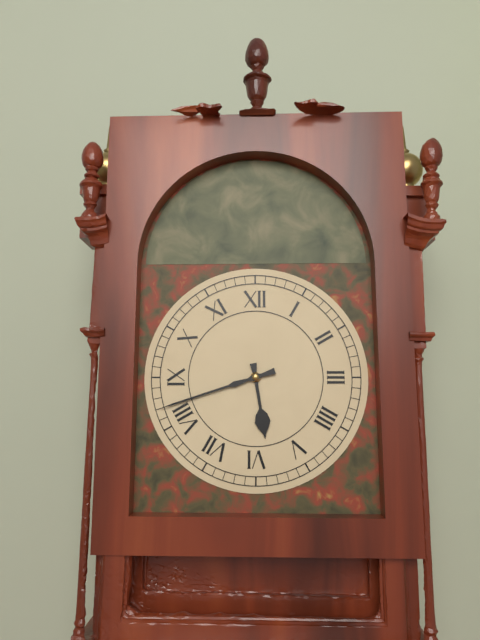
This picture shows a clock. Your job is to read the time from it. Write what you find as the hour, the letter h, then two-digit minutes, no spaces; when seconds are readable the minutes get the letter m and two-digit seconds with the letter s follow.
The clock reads 5h42
